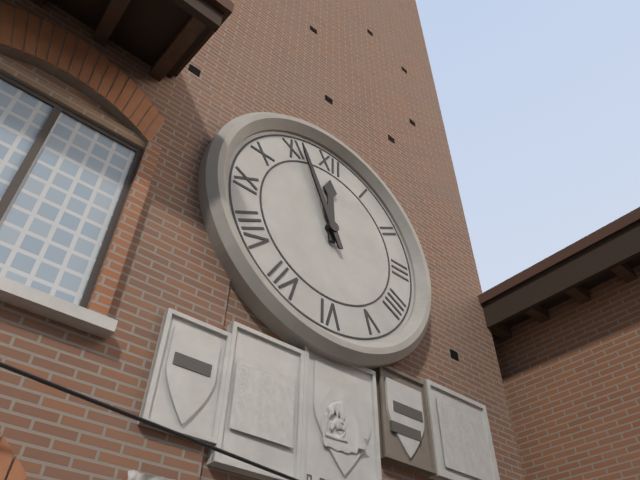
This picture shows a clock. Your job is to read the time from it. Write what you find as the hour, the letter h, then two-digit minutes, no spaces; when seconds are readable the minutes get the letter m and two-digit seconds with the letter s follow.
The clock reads 11h56
